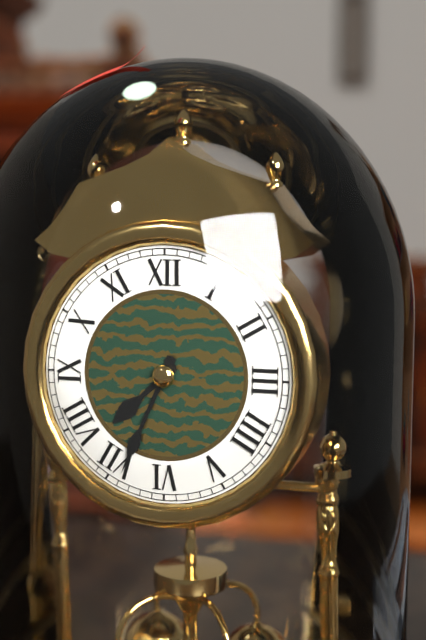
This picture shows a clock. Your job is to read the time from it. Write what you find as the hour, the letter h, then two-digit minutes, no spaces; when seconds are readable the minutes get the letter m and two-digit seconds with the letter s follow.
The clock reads 7h34
